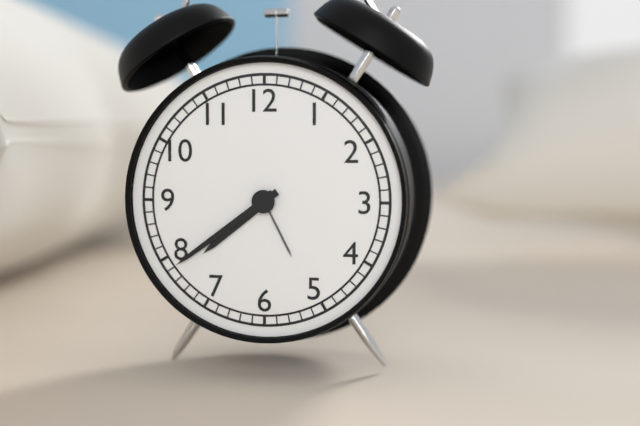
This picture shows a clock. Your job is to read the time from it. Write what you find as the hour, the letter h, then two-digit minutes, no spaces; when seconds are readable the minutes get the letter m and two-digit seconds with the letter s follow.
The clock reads 7h39
